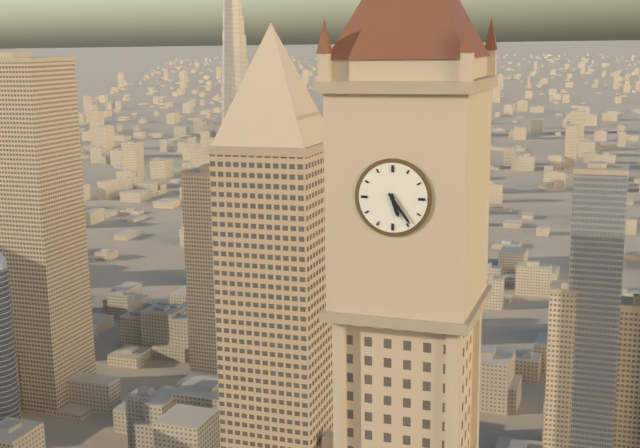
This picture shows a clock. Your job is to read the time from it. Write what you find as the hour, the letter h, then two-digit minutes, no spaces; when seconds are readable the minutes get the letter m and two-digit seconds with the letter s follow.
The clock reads 5h24
